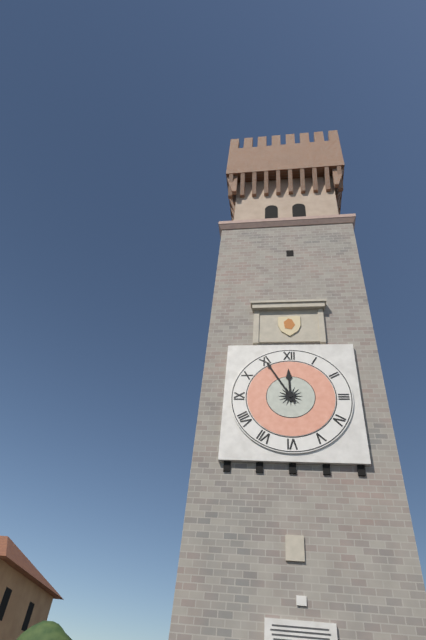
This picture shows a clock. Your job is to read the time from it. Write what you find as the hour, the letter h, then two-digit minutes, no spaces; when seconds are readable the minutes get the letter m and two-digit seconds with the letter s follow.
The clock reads 11h55
